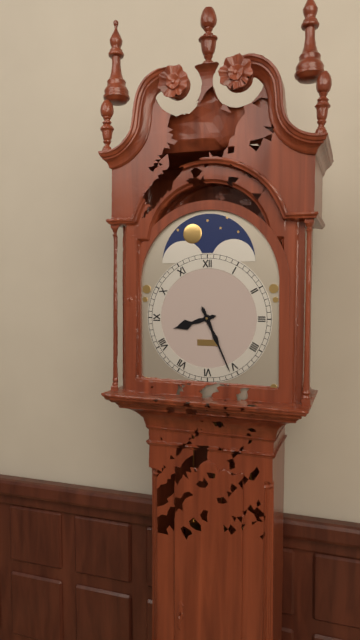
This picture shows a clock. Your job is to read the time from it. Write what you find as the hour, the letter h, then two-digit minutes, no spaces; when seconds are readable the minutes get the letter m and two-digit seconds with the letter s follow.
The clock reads 8h26
